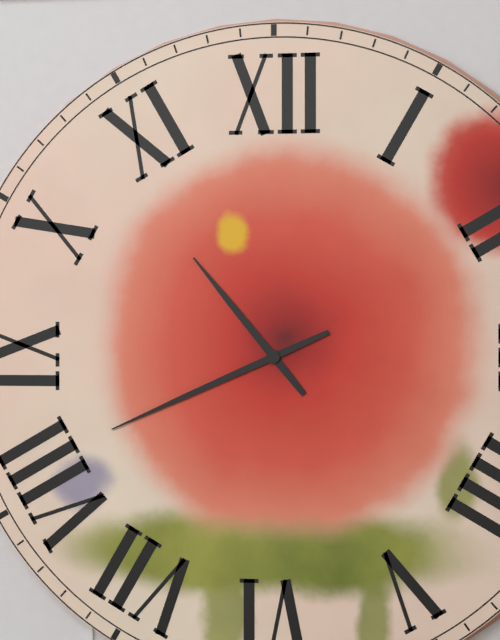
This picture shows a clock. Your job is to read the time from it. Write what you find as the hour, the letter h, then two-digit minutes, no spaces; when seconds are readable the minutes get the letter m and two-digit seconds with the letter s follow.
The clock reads 10h41
